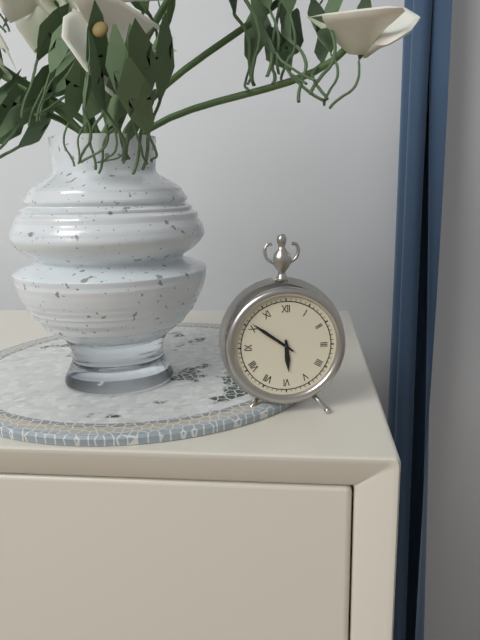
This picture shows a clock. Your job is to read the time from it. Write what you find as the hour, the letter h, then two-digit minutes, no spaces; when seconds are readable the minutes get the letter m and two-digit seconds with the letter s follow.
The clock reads 5h51
